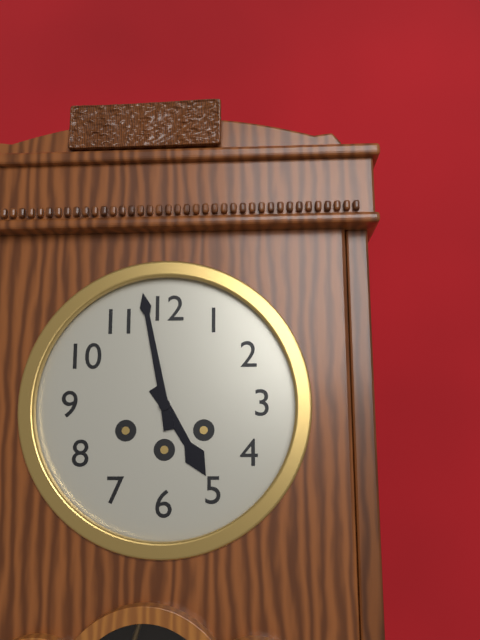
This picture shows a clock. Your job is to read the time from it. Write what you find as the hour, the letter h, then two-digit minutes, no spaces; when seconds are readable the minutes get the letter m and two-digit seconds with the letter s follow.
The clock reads 4h58
